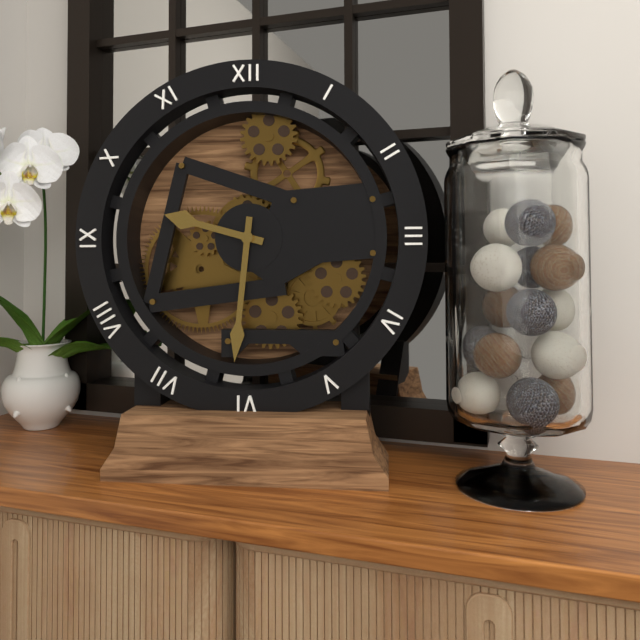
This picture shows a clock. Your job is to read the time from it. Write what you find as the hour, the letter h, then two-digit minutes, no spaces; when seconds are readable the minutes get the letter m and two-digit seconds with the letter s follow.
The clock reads 9h31
